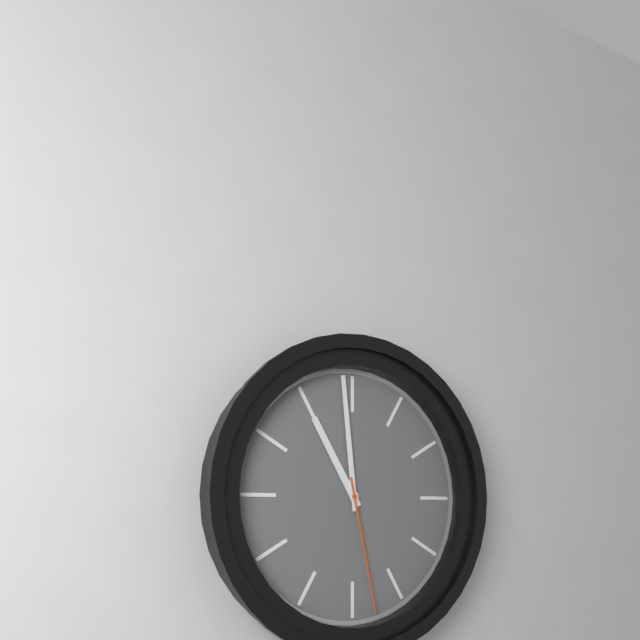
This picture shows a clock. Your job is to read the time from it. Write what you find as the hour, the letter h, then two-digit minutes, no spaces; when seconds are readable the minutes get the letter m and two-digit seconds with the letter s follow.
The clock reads 10h59m28s
